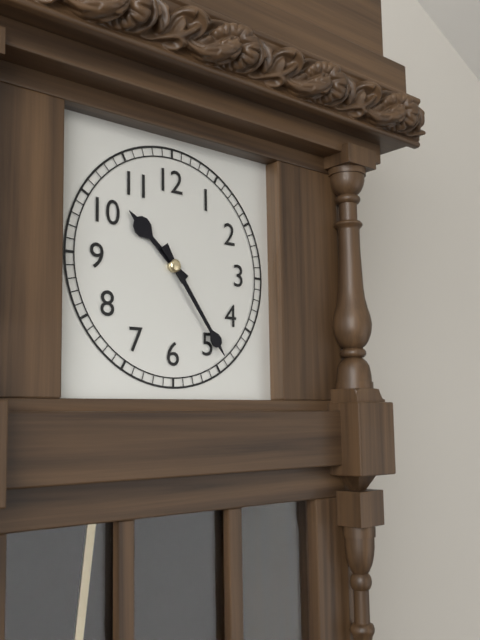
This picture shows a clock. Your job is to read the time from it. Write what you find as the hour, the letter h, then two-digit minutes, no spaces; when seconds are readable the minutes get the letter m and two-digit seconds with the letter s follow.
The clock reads 10h24
